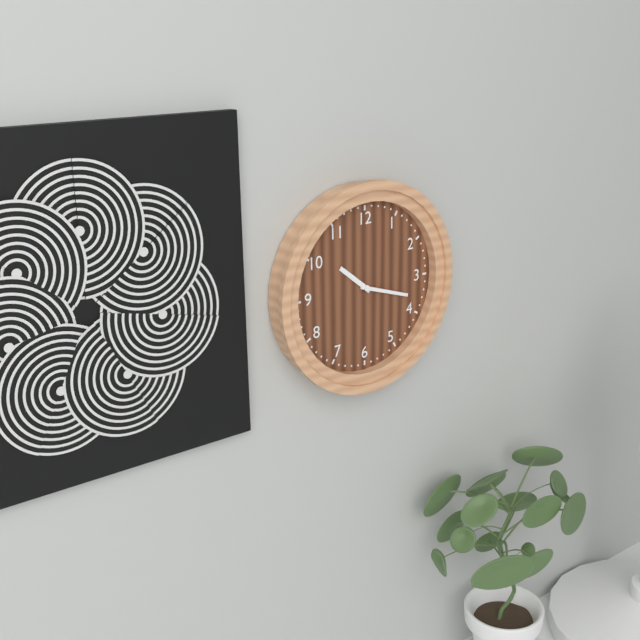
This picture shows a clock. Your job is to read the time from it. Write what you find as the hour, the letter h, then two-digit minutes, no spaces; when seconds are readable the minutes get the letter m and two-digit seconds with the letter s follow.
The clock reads 10h18
